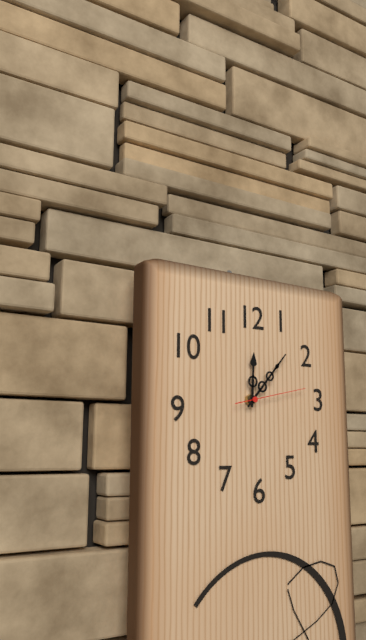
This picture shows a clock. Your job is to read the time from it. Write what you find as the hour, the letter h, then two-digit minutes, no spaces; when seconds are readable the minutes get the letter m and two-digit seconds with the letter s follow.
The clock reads 12h07m13s
